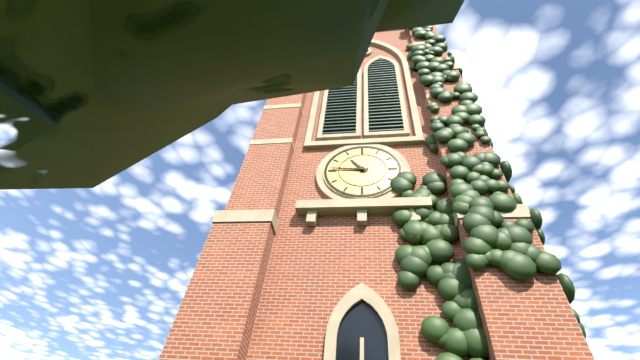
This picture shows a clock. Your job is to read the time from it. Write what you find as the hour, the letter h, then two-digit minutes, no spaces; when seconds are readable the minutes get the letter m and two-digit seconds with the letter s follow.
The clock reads 10h46
